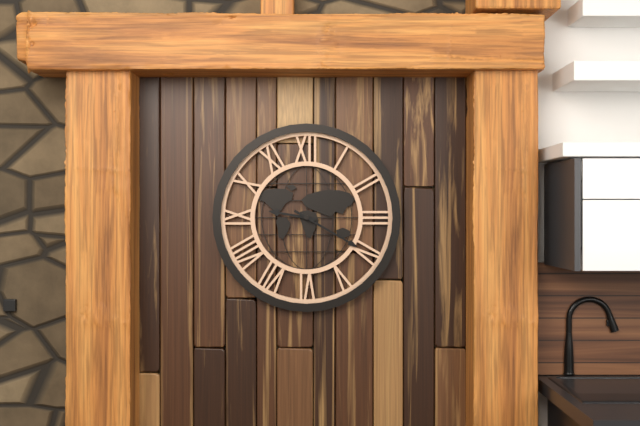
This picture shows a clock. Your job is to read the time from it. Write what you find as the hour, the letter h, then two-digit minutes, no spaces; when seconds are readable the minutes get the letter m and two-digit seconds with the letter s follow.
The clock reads 9h20
